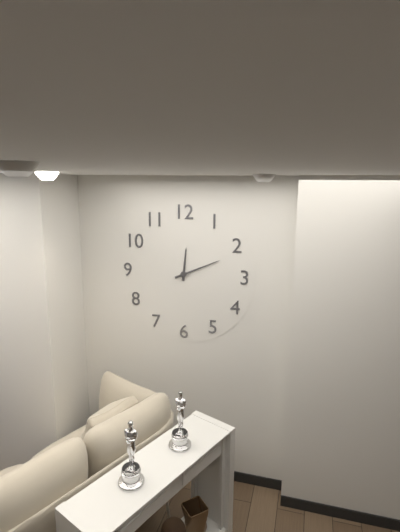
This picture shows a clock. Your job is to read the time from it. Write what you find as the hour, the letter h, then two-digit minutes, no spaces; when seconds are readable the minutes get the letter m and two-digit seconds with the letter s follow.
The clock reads 12h11
